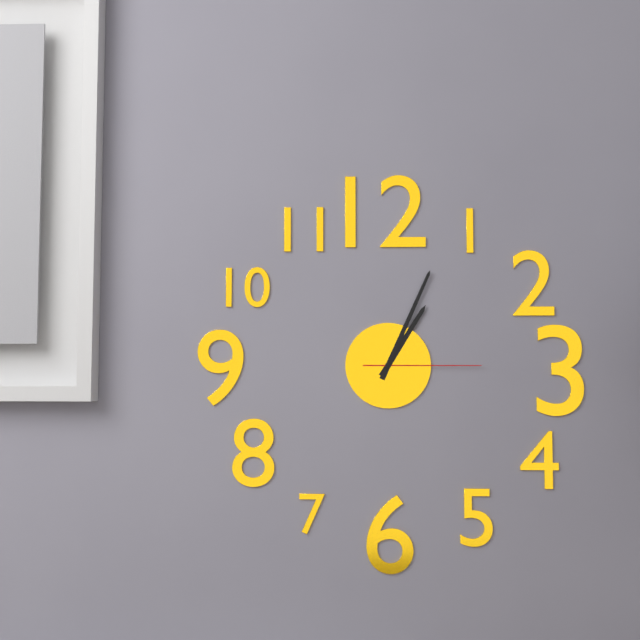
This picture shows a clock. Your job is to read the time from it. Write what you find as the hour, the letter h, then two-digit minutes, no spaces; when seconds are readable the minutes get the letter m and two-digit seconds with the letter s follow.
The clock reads 1h04m15s
